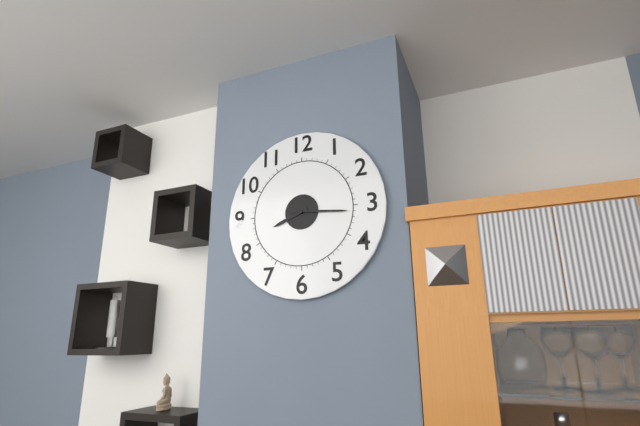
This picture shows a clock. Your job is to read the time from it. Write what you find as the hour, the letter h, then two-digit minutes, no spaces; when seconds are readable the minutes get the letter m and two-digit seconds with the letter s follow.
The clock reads 8h16
